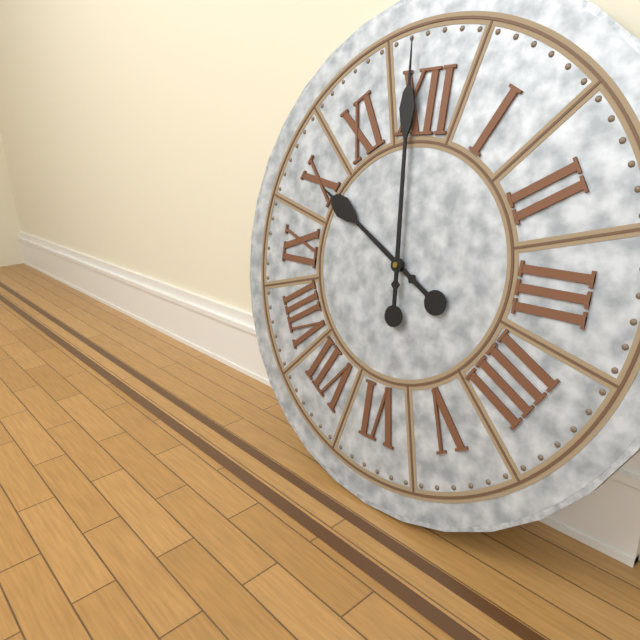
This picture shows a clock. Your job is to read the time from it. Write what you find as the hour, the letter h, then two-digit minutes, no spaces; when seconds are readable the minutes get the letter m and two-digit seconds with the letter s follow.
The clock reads 9h59
